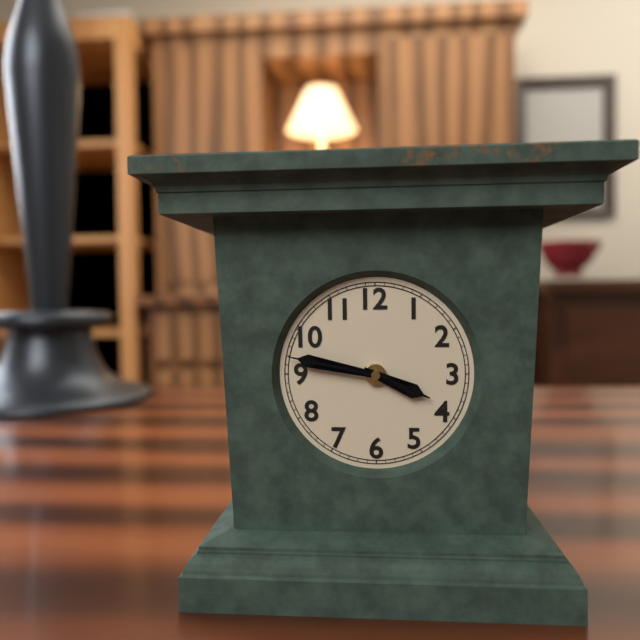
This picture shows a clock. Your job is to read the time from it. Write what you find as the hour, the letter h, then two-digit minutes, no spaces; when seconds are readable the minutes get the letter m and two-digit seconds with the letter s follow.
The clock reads 3h47
